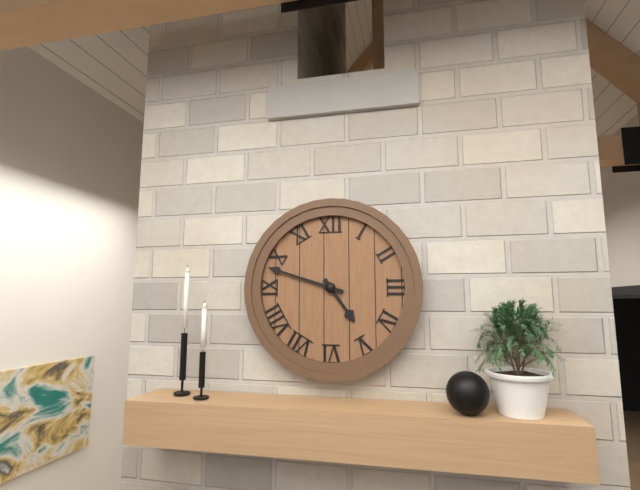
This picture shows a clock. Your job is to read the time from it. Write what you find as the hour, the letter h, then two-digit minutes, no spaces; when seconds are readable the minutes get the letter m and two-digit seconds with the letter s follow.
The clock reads 4h48
